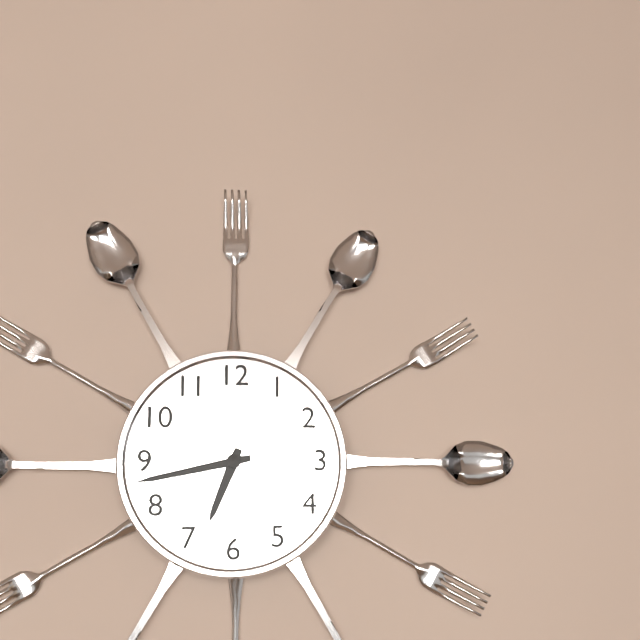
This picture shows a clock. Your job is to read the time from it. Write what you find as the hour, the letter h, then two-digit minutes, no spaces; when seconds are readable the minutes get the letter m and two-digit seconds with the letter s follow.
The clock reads 6h43
